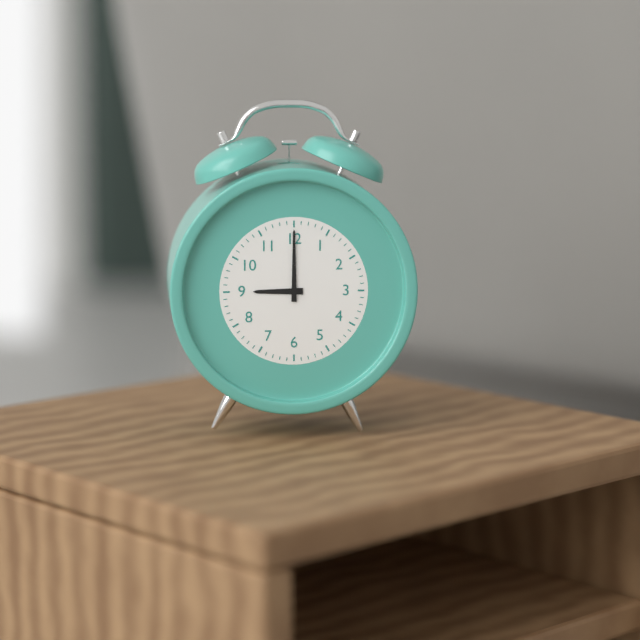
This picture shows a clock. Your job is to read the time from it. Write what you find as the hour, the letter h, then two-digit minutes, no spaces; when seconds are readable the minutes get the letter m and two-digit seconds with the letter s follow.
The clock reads 9h00
